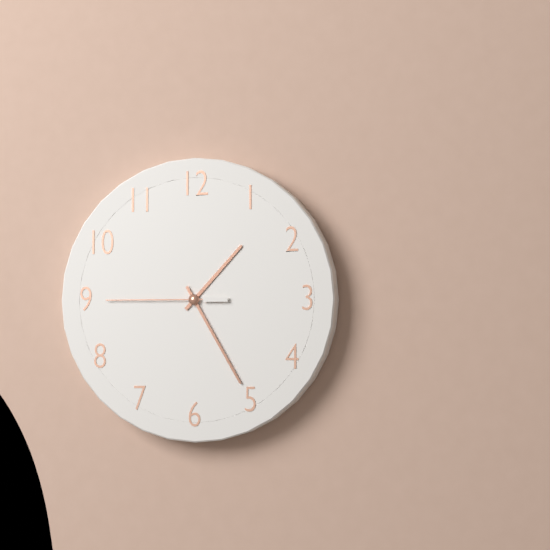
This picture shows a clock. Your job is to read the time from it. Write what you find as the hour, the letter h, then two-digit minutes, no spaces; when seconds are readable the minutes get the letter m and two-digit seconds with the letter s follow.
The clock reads 1h25m45s
